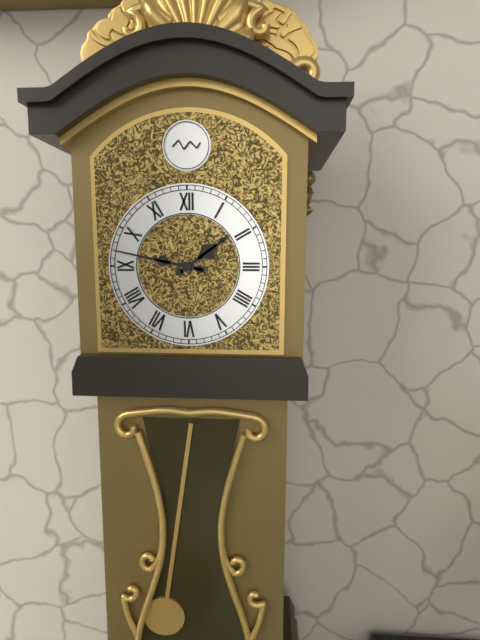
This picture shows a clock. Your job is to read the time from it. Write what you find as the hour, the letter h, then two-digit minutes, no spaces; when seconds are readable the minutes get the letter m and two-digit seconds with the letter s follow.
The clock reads 1h47
